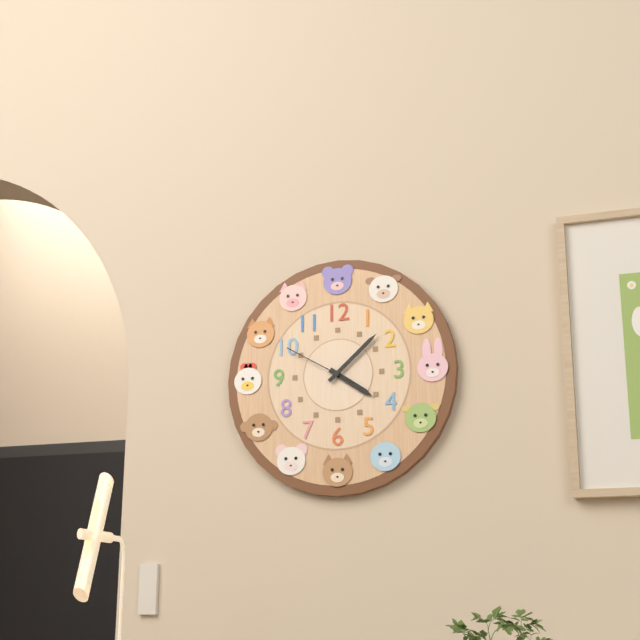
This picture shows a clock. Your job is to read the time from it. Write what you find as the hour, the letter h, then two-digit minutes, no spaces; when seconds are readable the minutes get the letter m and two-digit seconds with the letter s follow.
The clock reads 4h08m50s
